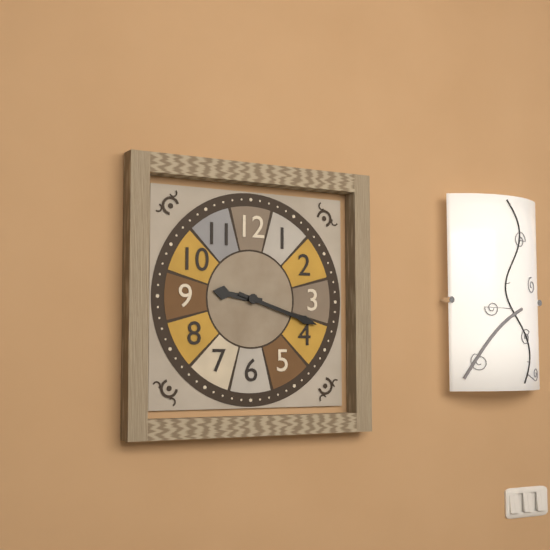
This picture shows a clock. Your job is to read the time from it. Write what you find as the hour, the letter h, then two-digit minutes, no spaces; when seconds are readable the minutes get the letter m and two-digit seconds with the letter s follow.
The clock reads 9h18
